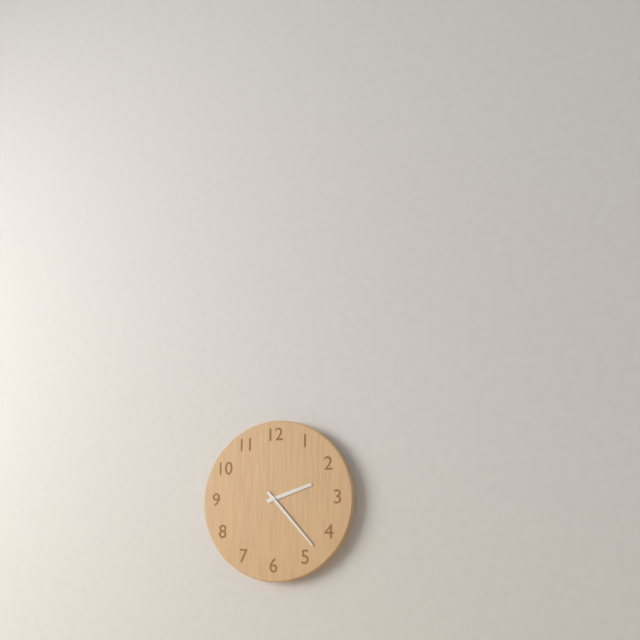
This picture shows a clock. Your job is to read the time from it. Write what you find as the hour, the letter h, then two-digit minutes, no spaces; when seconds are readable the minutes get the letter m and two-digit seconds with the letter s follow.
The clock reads 2h23
